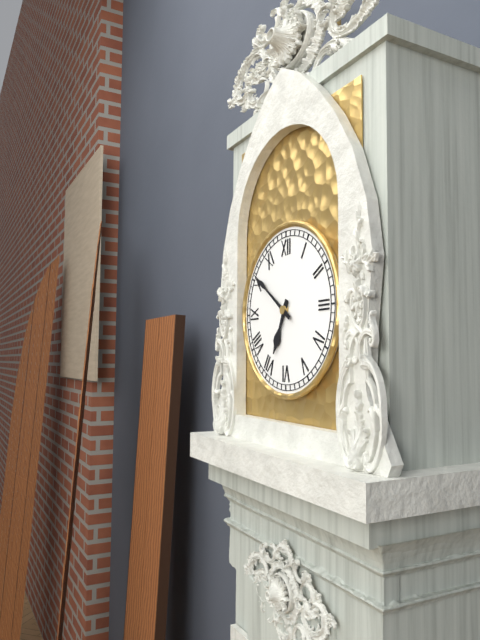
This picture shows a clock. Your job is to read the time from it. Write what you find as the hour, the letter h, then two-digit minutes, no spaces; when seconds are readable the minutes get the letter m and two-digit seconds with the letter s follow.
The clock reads 6h51
